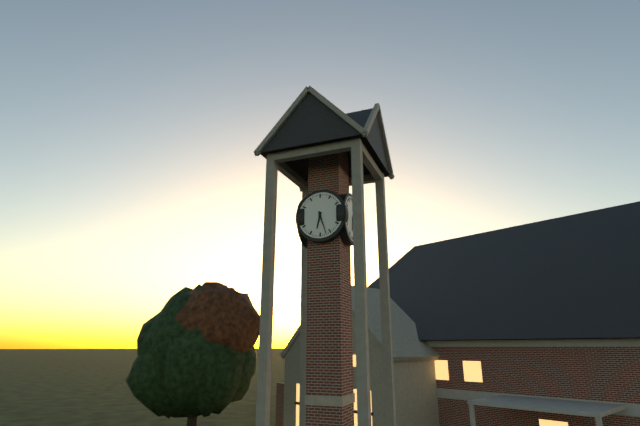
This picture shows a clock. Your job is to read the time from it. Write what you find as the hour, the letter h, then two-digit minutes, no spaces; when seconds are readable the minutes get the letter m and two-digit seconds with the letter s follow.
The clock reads 6h27
